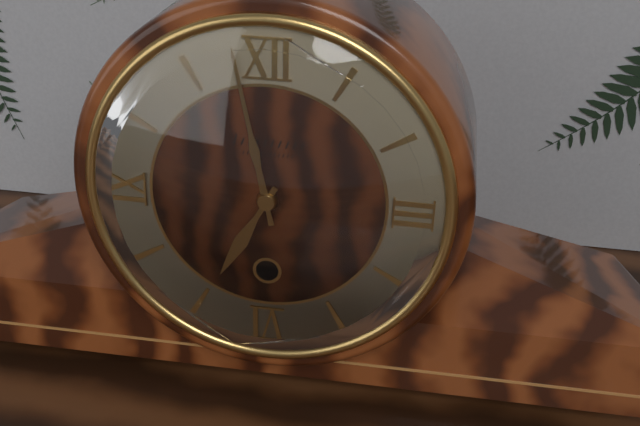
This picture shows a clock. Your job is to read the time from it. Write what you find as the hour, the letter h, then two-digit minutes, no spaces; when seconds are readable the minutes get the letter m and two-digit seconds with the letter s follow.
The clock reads 6h58
